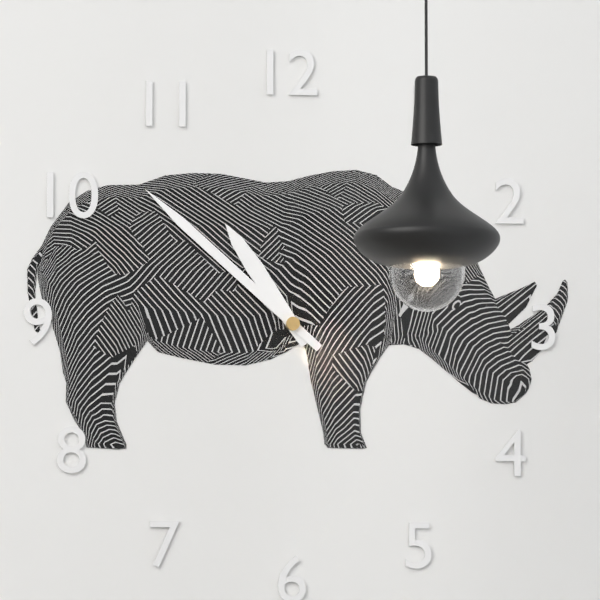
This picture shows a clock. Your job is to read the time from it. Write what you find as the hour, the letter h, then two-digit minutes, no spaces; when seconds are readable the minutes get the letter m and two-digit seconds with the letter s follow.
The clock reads 10h52
